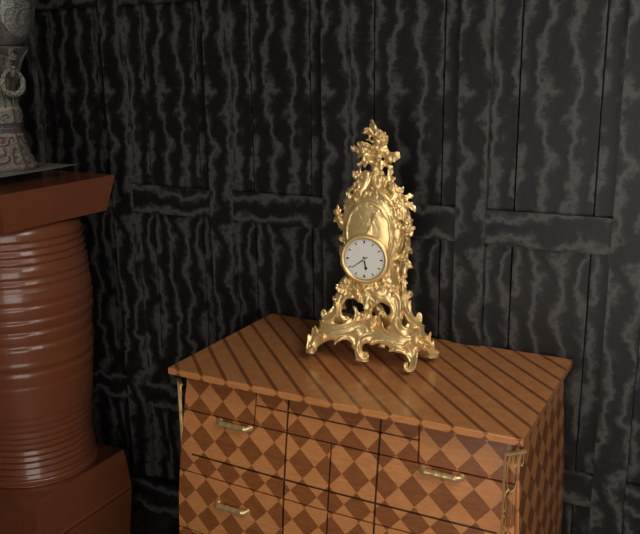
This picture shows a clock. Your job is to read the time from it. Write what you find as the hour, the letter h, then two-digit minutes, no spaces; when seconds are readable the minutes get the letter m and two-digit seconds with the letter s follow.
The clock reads 5h39
